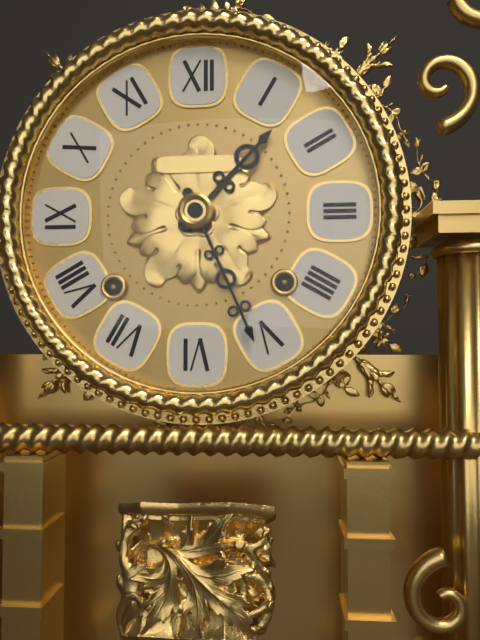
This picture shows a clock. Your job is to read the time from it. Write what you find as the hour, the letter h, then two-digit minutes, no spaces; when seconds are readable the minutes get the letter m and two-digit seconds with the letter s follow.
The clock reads 1h26
